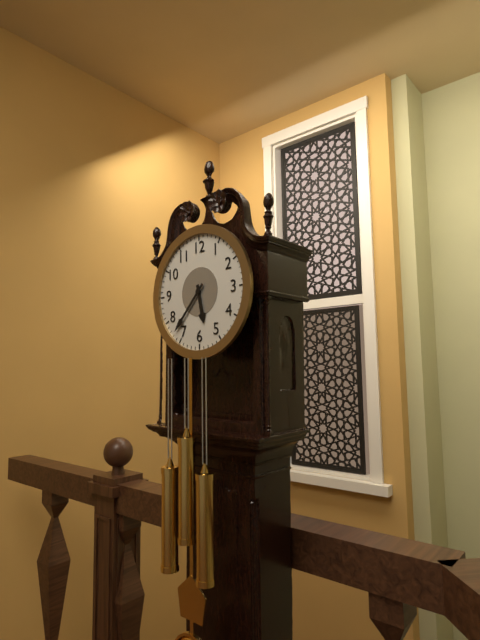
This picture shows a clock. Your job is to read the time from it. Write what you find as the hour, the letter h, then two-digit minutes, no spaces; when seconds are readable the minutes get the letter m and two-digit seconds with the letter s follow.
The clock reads 5h37
